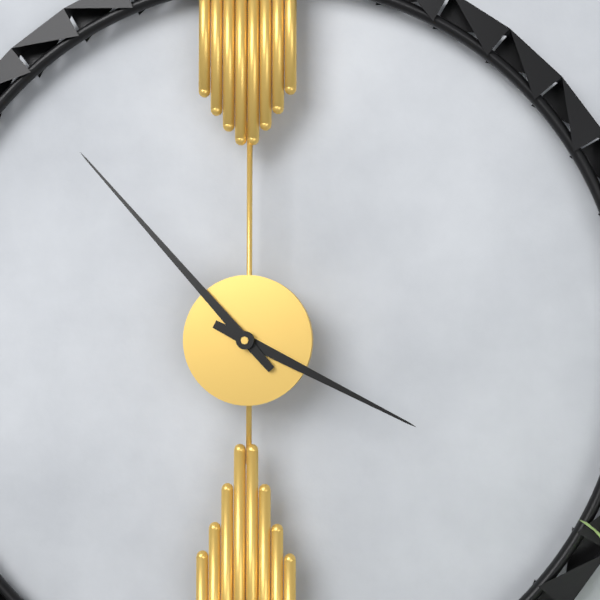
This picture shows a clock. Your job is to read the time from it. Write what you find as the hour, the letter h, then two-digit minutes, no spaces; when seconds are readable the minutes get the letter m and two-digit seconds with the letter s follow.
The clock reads 3h53
